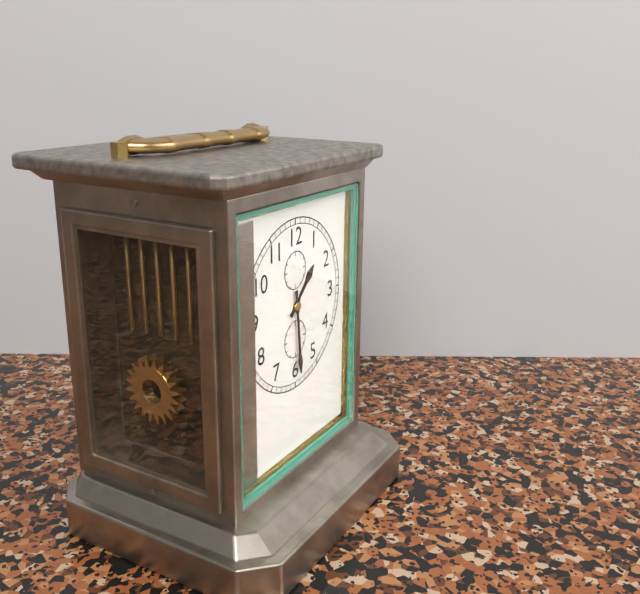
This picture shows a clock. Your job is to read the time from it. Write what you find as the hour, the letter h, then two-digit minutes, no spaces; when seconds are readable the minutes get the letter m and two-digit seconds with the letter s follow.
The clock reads 1h29
